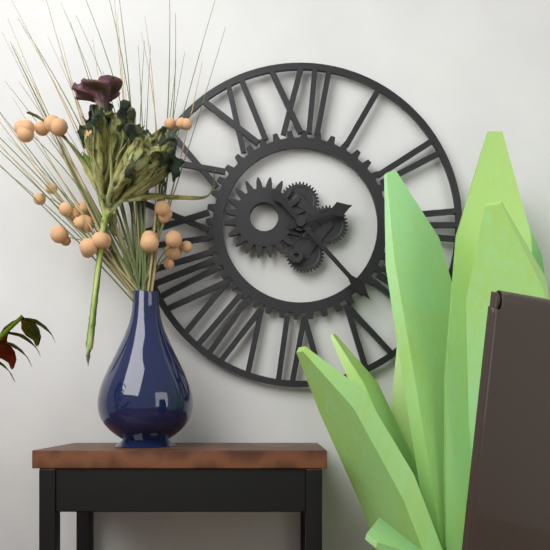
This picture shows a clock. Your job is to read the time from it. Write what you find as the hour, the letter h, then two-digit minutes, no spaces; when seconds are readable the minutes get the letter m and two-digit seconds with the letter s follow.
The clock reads 2h23
